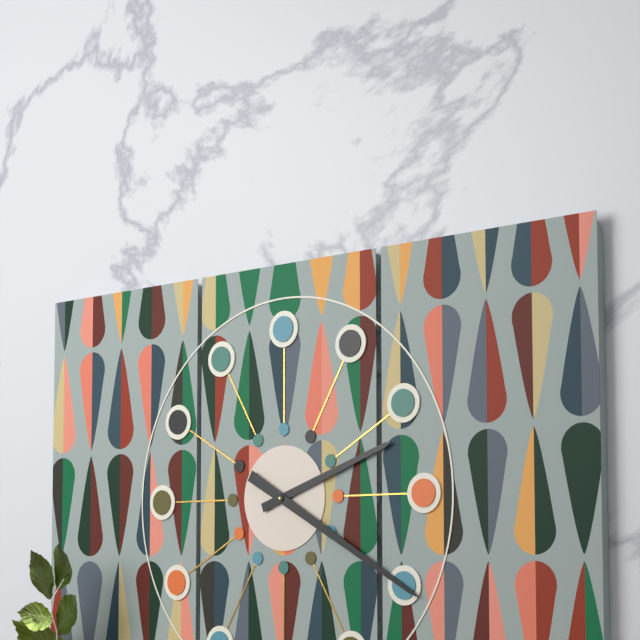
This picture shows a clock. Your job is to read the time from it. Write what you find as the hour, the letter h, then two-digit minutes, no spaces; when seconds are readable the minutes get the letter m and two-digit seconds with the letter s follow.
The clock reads 2h20
